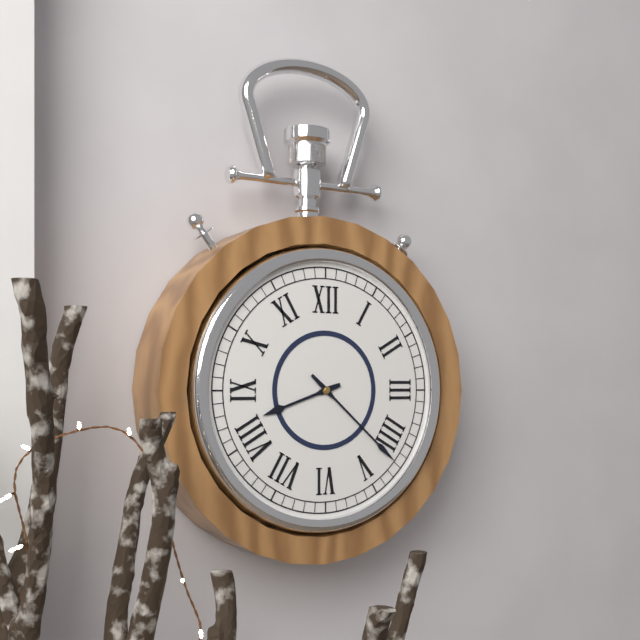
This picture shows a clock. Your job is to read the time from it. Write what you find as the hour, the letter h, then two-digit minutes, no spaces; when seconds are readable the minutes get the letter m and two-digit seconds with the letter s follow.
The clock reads 8h22
